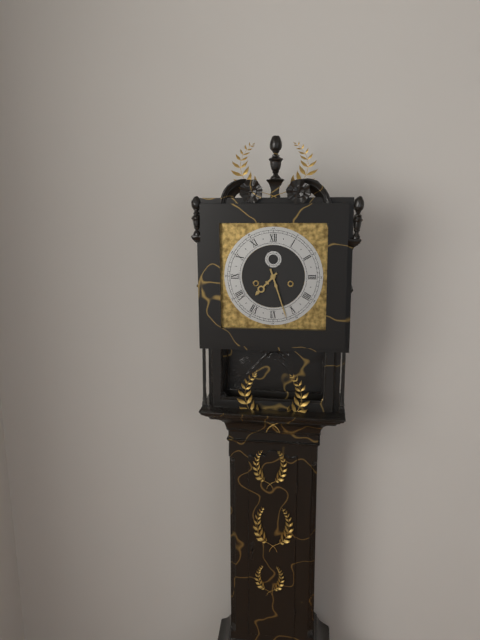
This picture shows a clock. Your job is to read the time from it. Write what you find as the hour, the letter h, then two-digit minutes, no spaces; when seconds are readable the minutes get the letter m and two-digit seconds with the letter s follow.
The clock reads 7h27
